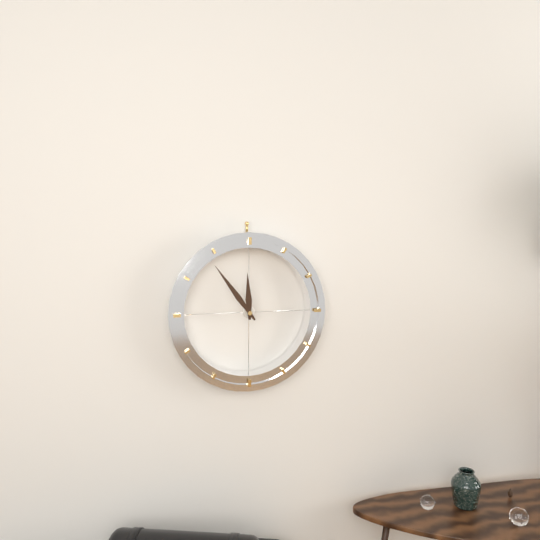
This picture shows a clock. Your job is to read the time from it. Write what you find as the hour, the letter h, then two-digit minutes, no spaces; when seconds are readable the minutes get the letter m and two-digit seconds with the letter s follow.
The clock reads 11h54
